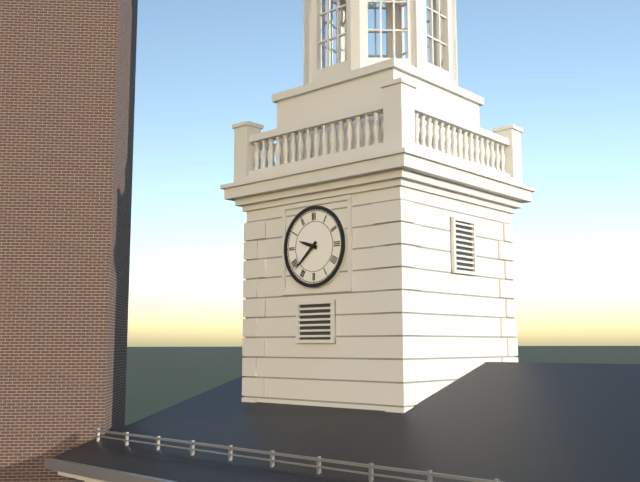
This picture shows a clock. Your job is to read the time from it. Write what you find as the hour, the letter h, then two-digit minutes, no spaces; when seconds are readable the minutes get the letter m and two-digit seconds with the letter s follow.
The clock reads 9h38
